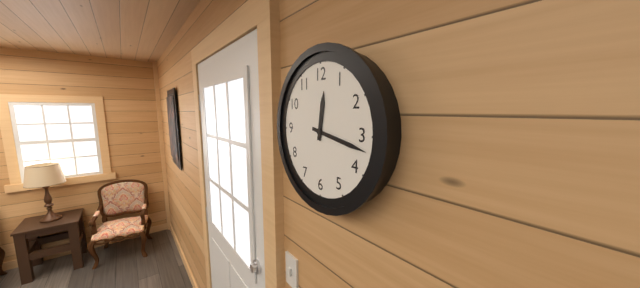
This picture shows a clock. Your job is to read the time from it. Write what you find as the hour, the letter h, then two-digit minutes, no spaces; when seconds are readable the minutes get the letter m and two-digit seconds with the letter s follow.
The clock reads 12h17
